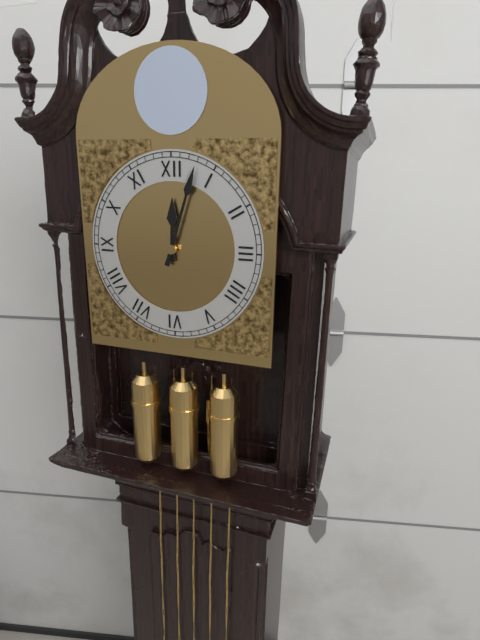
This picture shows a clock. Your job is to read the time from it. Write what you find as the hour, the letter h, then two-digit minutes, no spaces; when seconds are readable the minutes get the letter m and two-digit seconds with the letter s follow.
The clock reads 12h03
